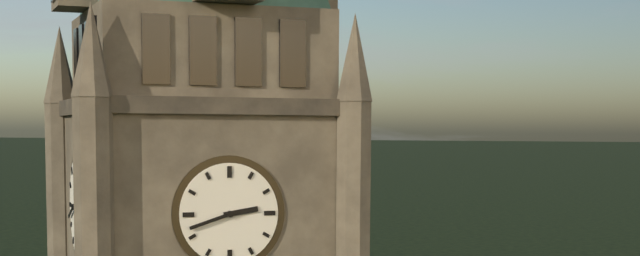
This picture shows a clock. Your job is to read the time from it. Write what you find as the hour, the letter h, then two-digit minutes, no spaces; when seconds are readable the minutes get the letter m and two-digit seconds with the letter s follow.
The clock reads 2h42
